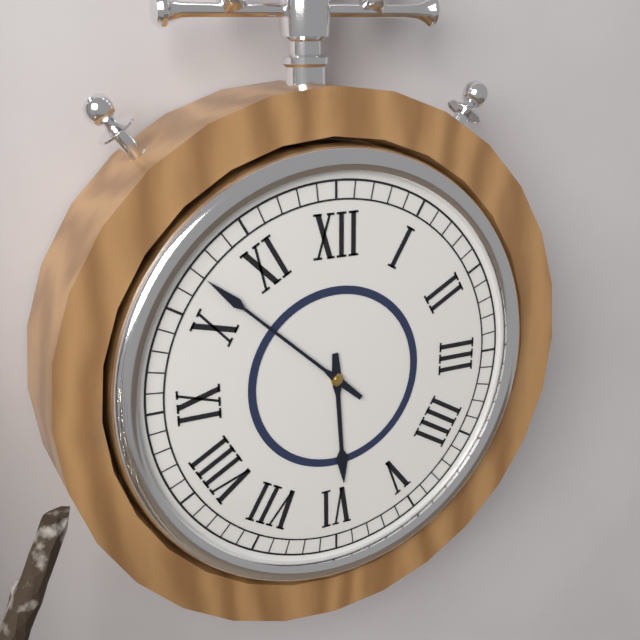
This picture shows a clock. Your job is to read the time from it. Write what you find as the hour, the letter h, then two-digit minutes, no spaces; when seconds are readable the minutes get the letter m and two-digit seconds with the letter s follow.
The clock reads 5h52
